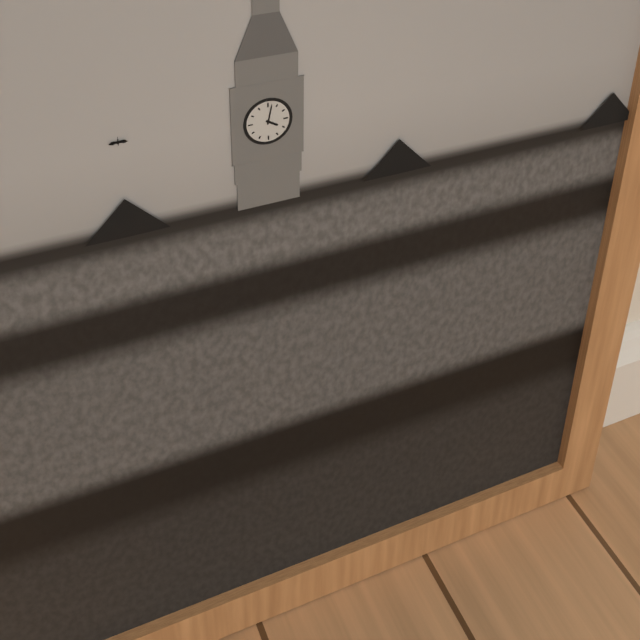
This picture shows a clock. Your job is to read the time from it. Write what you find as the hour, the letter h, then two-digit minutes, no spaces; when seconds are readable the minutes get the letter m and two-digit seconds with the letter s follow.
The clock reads 4h02
